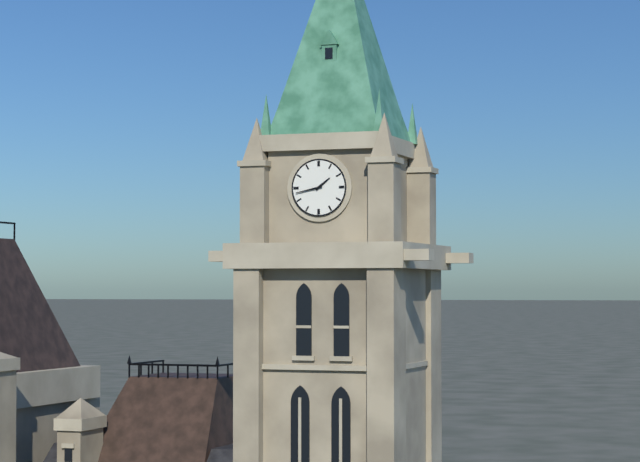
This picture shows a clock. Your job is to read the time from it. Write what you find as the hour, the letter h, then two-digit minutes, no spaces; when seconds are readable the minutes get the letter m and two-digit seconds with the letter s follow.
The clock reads 1h43
